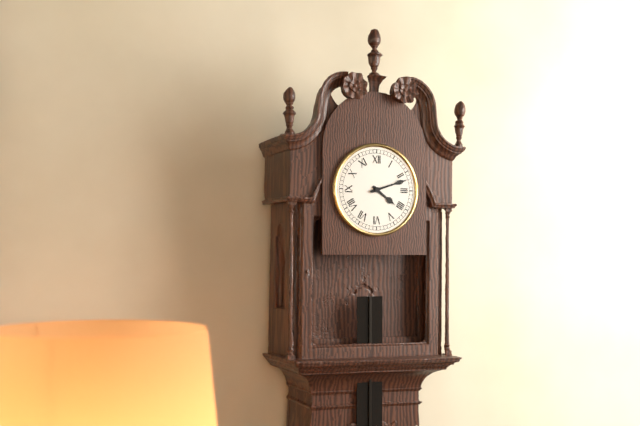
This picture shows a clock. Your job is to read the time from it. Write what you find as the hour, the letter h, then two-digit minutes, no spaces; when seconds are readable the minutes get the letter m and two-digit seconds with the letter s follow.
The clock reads 4h12
